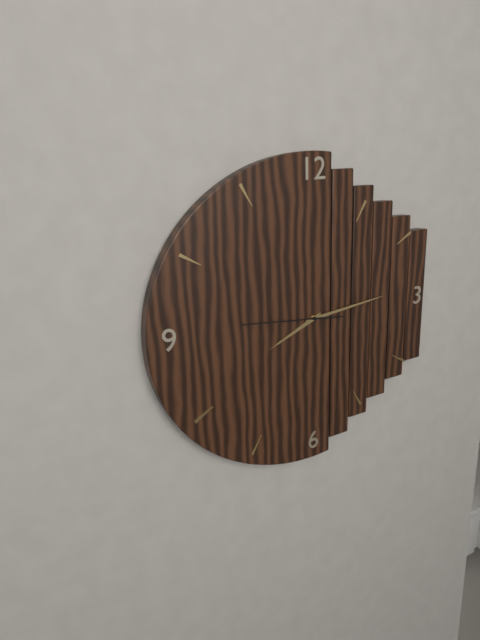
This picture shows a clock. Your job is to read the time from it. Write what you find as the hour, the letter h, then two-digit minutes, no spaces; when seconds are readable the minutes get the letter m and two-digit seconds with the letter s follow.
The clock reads 8h14m46s
